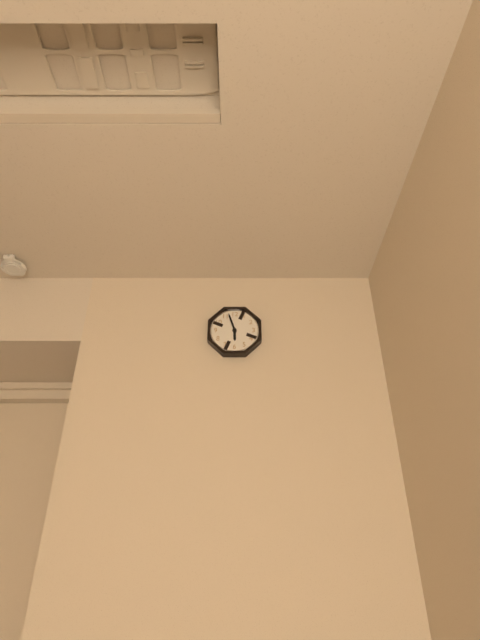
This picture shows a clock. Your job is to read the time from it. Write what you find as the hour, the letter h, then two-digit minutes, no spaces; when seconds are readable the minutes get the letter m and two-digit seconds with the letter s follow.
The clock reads 5h57
